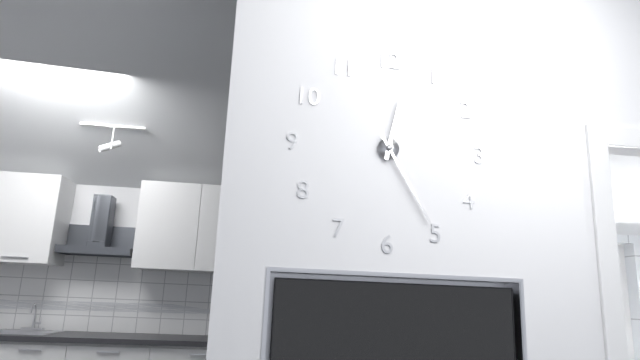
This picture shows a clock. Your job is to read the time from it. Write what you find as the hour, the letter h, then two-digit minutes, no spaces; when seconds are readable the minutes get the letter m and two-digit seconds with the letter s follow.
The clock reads 12h25
